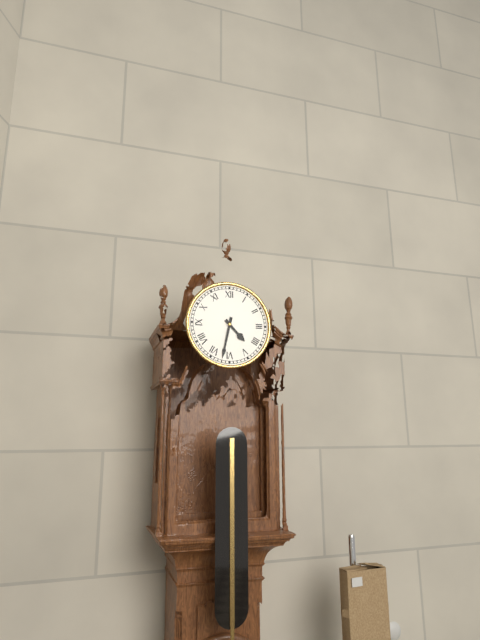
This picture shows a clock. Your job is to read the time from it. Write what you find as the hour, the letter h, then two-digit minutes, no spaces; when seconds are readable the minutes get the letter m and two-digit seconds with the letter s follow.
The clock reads 4h32
